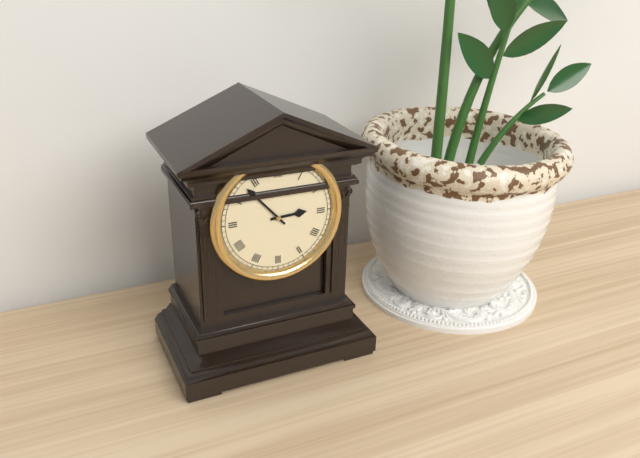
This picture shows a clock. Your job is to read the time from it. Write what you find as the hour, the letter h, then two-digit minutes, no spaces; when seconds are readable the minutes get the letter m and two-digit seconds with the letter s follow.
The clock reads 2h53
